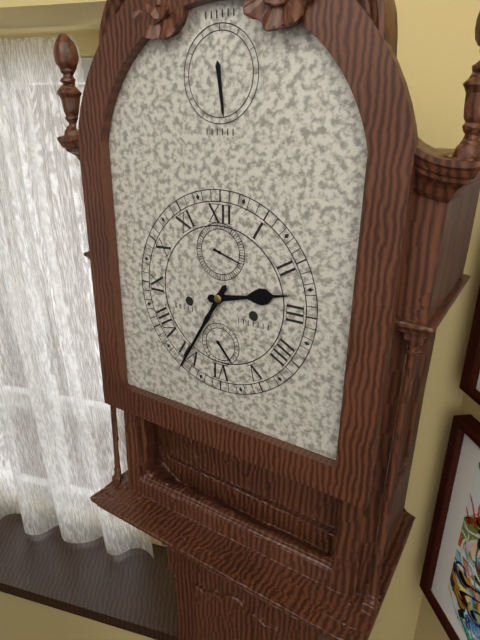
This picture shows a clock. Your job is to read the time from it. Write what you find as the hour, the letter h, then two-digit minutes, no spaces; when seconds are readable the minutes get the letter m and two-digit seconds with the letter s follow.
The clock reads 2h35
